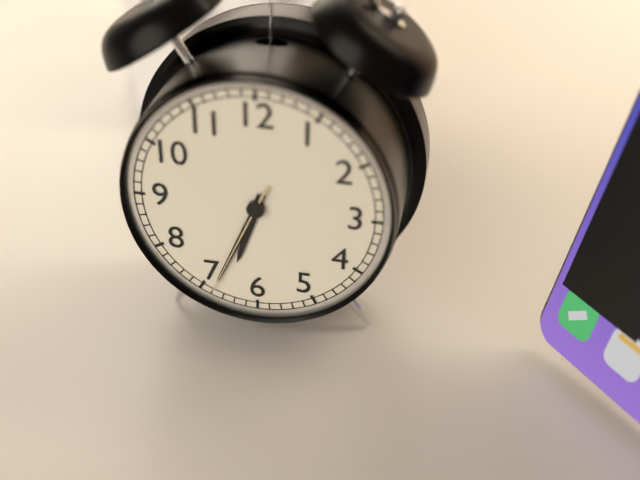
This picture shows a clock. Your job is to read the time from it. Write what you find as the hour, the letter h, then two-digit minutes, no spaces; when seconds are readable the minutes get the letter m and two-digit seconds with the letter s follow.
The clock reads 6h34m34s
